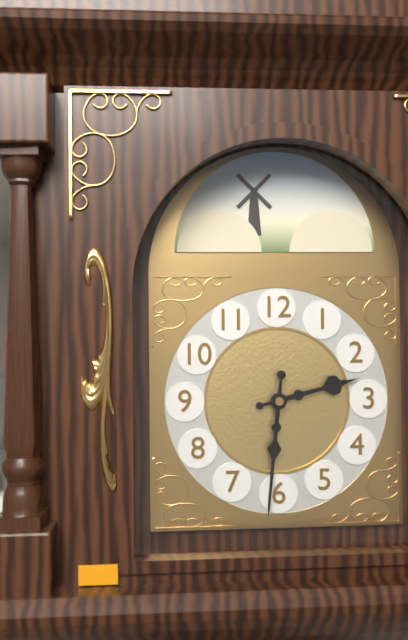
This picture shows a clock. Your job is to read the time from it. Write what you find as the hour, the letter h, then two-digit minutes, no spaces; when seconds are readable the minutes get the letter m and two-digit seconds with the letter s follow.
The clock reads 2h31
